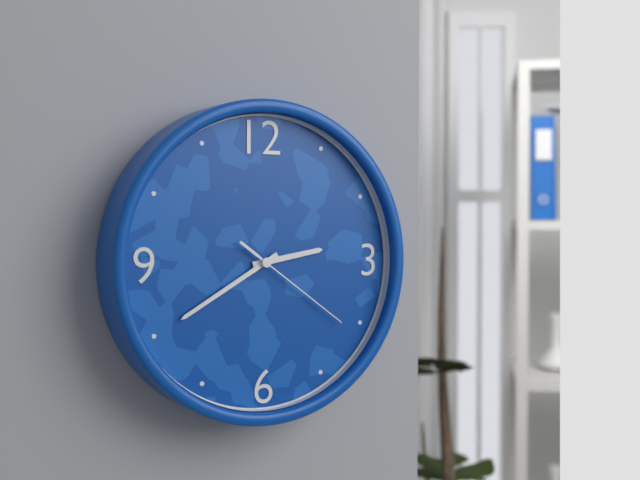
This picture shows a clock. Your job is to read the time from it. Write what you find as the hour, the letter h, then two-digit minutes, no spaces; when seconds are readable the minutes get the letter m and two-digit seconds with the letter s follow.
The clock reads 2h40m21s
